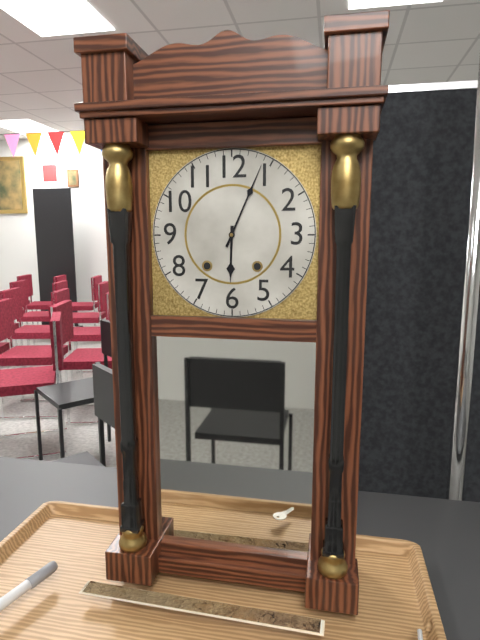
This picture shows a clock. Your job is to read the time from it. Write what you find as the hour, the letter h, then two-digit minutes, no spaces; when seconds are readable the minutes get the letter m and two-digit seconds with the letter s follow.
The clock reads 6h04
